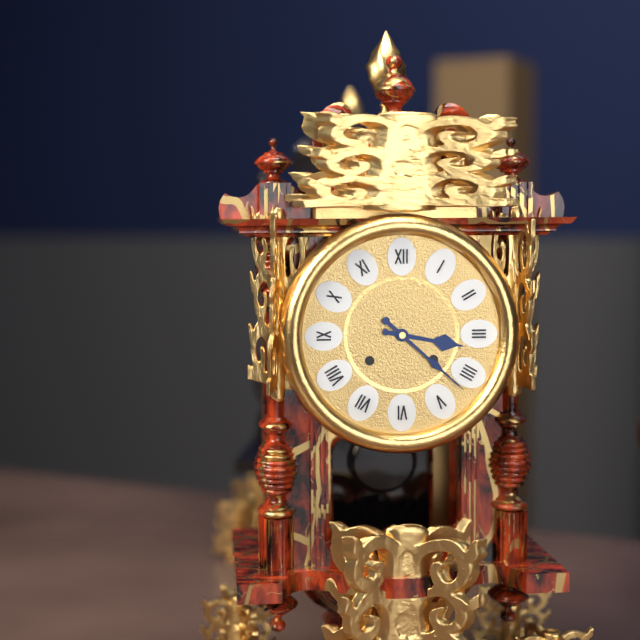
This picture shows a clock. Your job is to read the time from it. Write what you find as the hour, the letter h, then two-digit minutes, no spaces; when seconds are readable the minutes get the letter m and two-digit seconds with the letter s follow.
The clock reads 3h22
